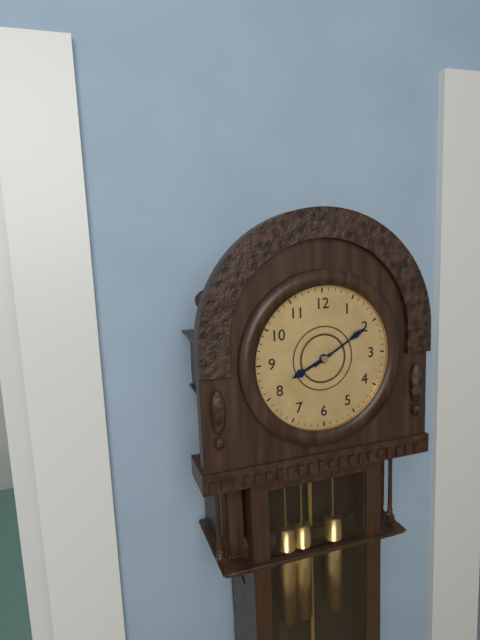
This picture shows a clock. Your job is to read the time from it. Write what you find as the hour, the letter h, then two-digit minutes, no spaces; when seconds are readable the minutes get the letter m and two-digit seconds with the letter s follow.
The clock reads 8h10
